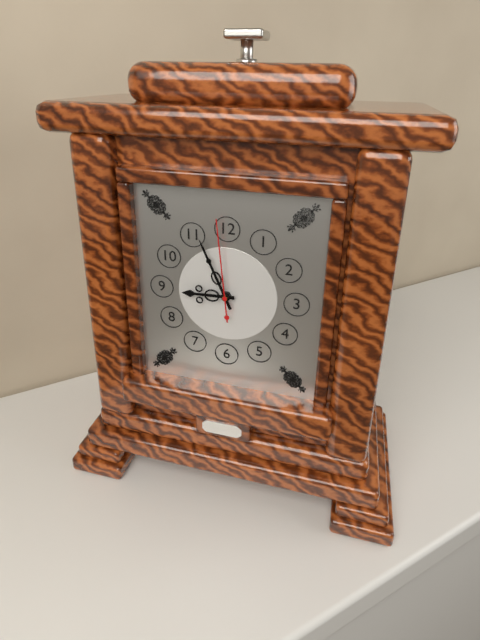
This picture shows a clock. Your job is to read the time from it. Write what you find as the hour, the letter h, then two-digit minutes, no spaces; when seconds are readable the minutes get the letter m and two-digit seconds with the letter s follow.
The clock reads 8h56m59s
